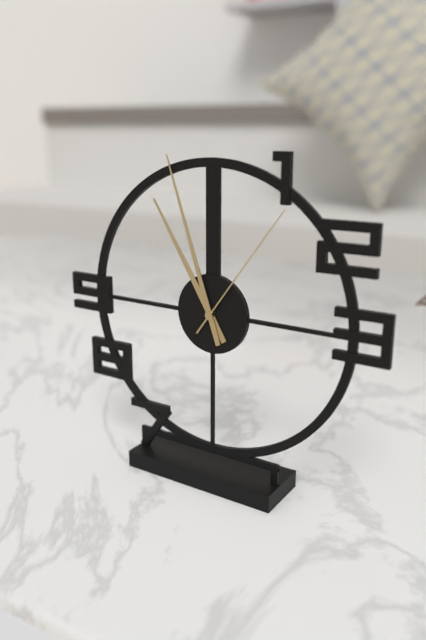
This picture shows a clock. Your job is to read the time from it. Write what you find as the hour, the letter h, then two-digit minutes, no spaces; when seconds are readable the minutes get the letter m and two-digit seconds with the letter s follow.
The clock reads 10h57m06s
